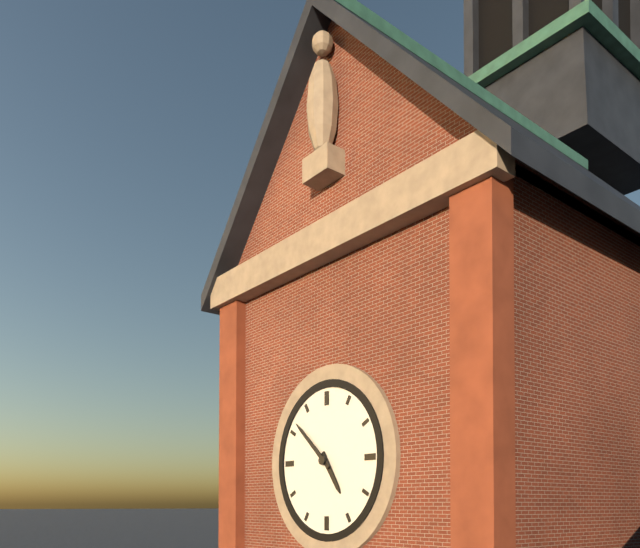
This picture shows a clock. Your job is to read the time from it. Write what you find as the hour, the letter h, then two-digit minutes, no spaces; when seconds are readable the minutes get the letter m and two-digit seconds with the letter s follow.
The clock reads 4h52
